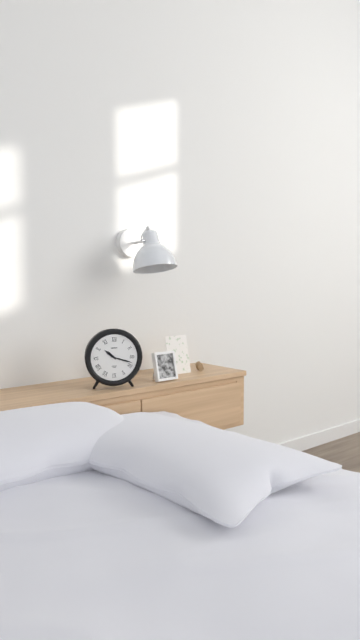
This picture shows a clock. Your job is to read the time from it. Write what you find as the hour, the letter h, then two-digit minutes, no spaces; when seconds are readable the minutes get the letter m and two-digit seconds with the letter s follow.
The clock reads 10h18
